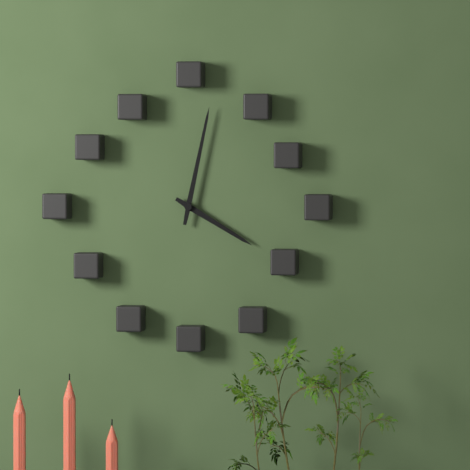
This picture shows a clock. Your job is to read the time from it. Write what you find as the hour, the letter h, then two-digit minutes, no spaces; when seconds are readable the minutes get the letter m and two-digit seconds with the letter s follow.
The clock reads 4h02
